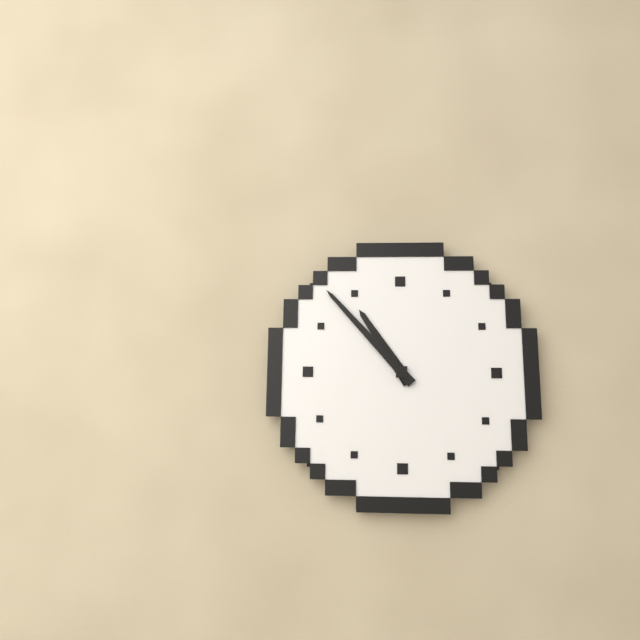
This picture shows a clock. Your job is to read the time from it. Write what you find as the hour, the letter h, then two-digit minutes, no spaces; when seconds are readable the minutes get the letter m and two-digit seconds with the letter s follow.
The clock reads 10h53
